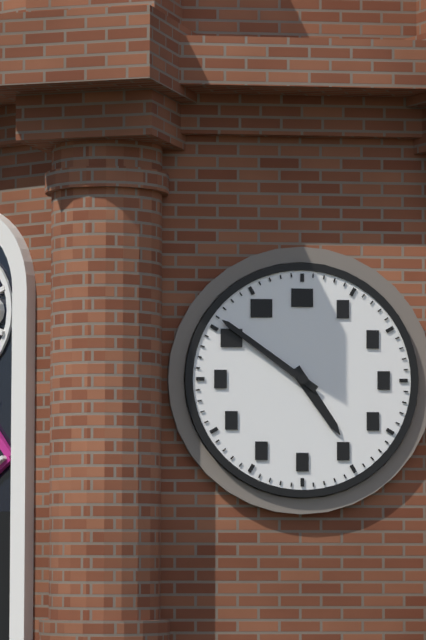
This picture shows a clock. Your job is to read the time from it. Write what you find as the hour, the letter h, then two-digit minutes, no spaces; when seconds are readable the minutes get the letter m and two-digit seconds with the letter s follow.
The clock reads 4h51
